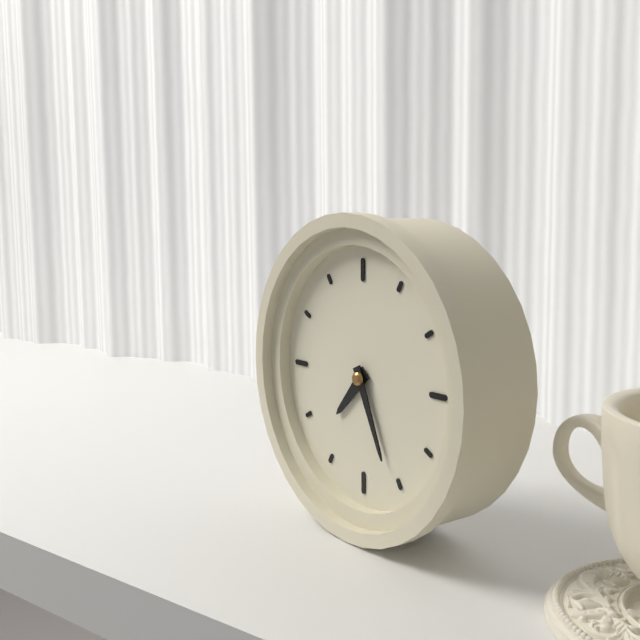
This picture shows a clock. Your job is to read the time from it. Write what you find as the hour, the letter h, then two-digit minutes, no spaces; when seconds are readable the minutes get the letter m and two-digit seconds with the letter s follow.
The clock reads 7h26
